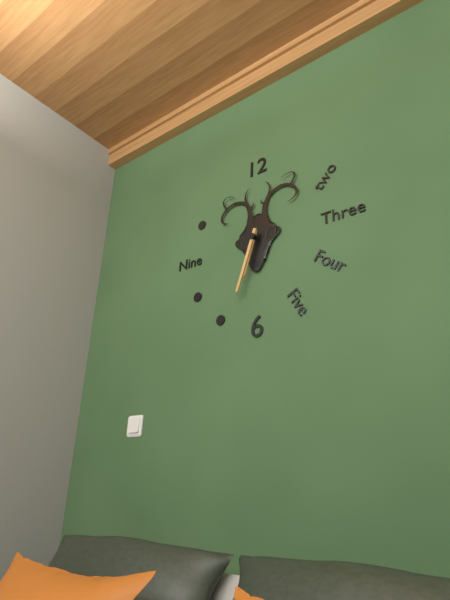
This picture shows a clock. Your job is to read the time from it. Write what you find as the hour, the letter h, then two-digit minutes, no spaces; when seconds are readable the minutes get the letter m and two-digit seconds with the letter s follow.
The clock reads 6h33
